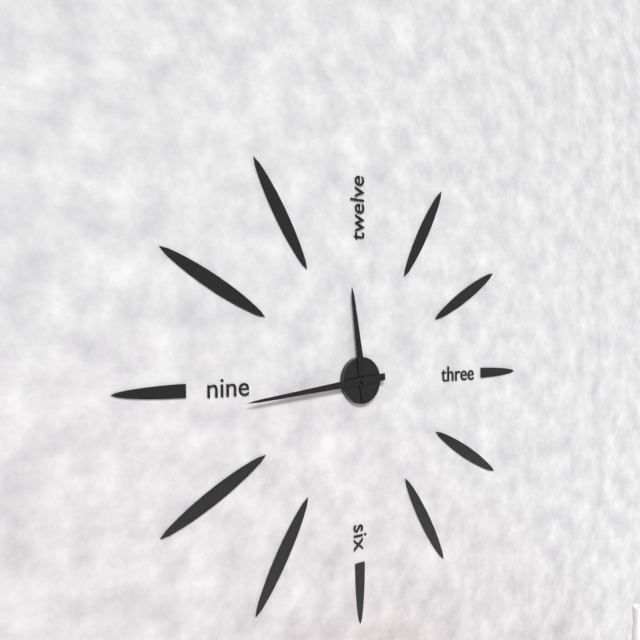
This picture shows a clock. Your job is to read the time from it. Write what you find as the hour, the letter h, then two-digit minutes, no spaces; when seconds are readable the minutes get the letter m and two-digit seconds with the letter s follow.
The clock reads 11h44
